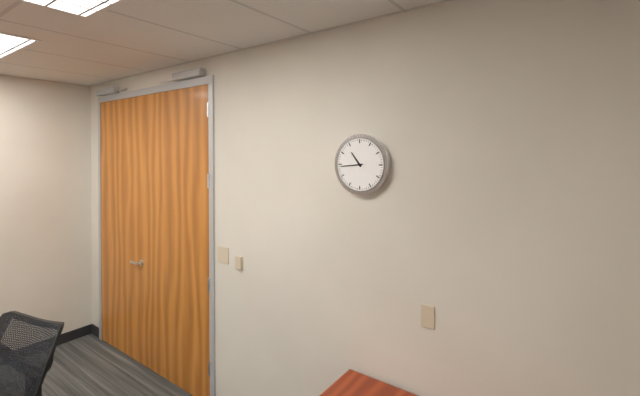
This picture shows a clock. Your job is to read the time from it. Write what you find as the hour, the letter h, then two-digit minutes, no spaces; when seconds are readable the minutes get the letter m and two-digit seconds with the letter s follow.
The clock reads 10h44
